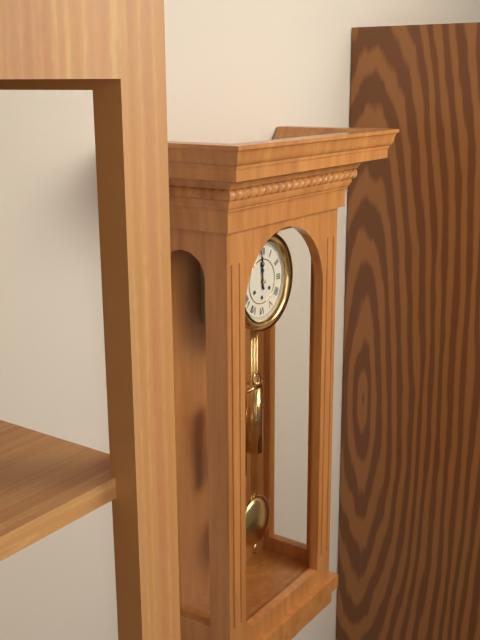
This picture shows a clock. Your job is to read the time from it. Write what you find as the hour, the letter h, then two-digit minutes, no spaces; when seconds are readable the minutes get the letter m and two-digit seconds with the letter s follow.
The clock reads 11h59
